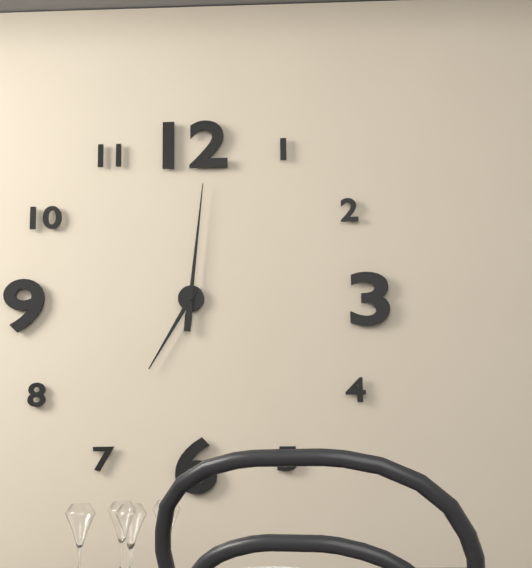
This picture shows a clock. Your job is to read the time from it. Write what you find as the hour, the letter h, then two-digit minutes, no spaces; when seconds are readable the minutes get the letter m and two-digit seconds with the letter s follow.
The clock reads 7h01
